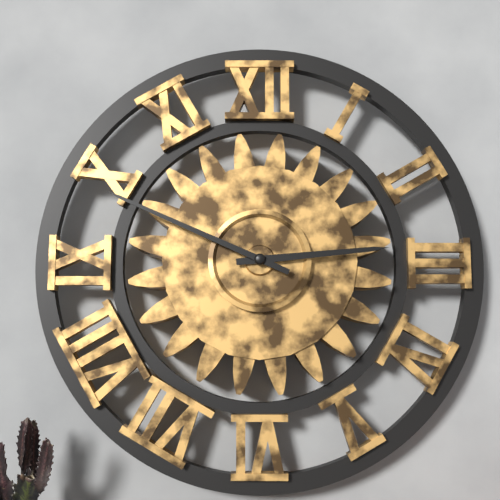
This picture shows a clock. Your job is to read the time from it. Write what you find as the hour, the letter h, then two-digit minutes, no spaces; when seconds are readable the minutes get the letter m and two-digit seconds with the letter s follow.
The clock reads 2h49
